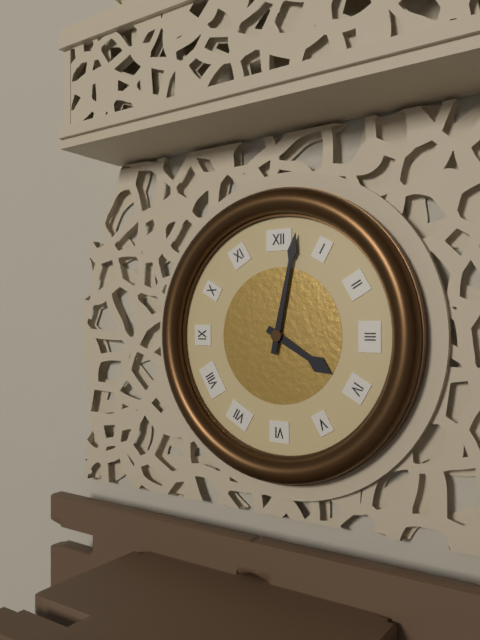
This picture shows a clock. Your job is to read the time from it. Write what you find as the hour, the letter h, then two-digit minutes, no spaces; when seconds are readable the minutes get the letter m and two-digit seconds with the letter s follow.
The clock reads 4h02
